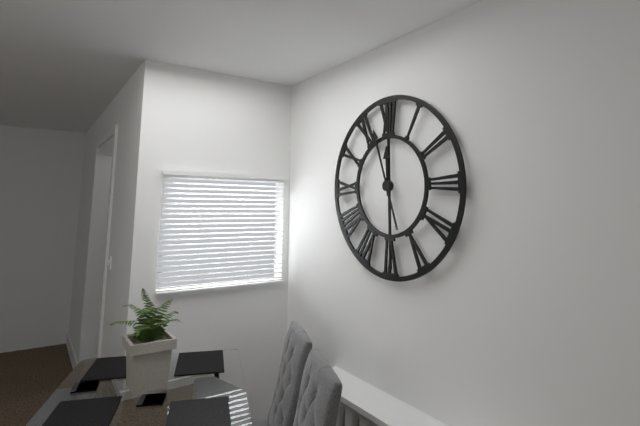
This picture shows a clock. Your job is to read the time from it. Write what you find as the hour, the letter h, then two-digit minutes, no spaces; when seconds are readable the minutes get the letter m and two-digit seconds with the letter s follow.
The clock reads 11h57
